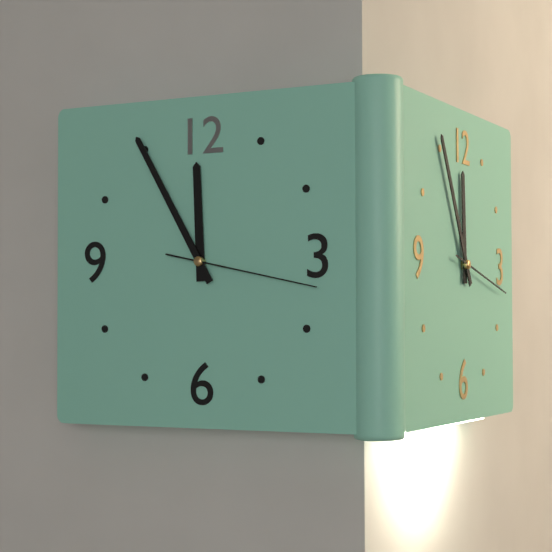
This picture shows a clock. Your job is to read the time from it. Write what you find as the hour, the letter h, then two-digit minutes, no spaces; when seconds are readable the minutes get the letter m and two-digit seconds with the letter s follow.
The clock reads 11h55m17s
